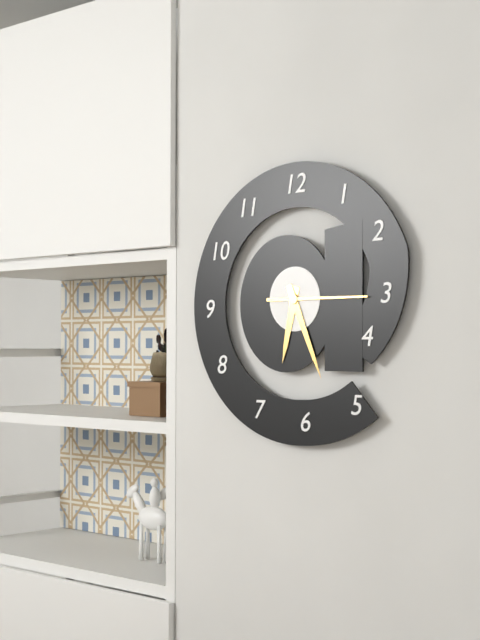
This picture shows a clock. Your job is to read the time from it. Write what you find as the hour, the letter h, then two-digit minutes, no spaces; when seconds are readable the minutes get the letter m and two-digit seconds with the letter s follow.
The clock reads 6h26m15s
